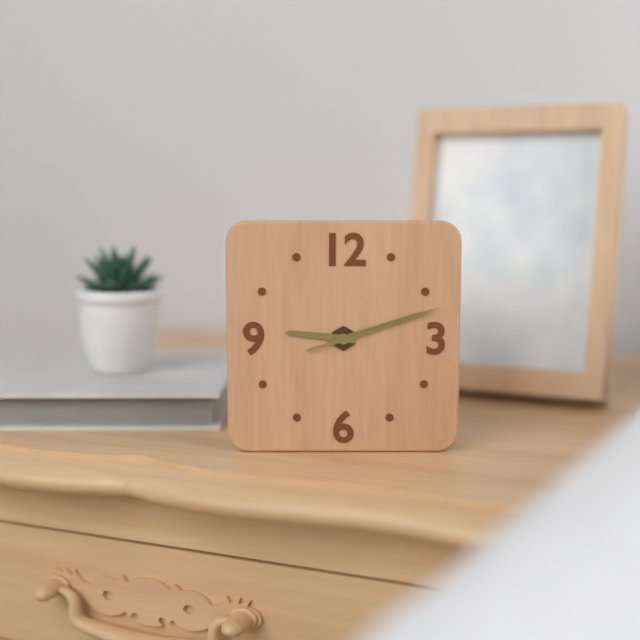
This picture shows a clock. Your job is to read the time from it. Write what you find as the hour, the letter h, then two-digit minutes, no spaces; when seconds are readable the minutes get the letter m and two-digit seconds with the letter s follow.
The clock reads 9h12m12s
